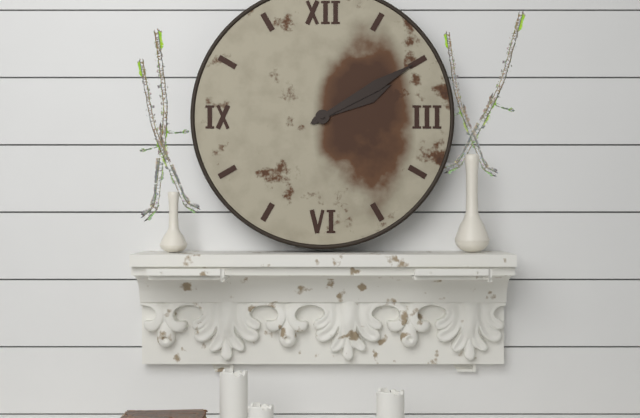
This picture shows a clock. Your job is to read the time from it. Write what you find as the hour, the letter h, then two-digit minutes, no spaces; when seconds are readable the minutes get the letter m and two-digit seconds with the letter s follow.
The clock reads 2h10
